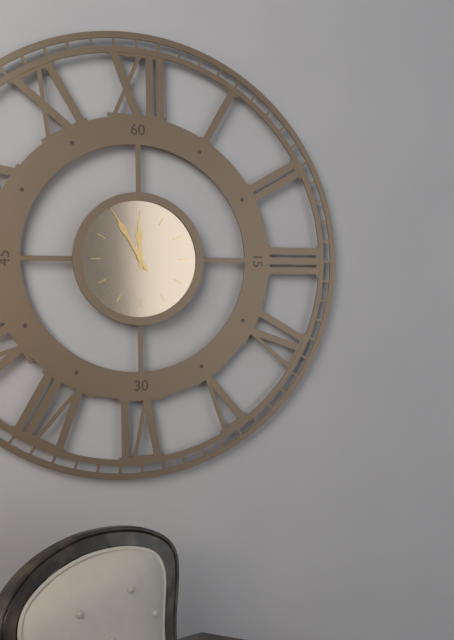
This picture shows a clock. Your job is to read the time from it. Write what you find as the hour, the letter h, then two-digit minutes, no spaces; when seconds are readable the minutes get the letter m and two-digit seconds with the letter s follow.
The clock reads 11h55
